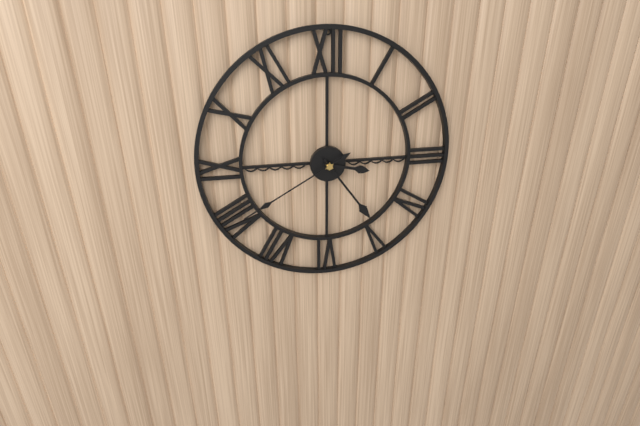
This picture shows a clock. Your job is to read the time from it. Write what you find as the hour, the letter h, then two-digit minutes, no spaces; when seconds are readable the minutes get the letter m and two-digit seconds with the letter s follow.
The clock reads 3h24m40s
